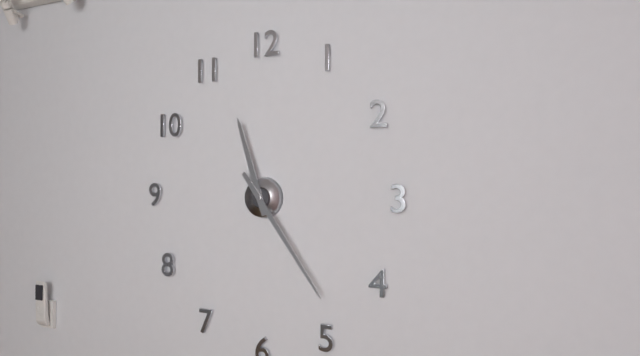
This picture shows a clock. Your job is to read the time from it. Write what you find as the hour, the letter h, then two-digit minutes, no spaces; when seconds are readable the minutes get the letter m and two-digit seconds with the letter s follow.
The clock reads 11h24
